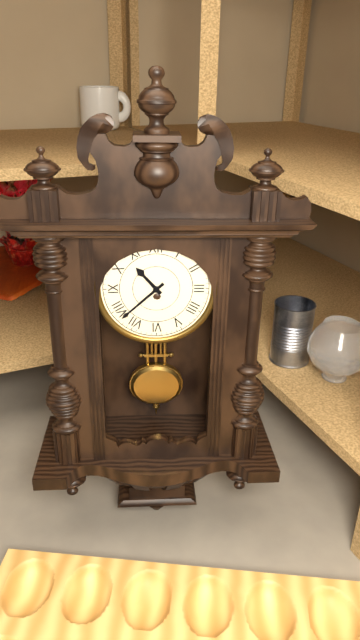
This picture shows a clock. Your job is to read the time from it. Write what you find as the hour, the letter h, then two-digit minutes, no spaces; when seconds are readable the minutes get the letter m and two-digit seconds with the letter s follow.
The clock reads 10h38
